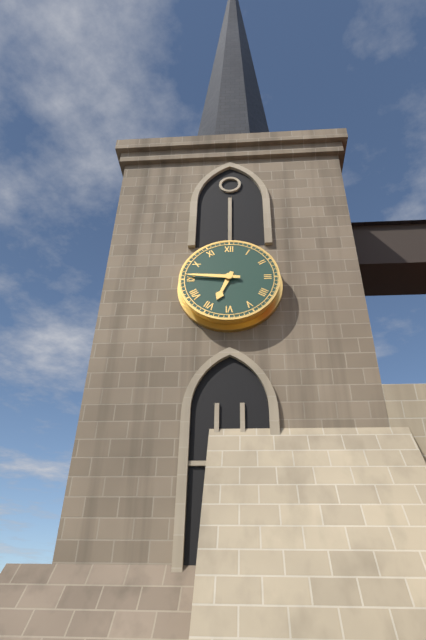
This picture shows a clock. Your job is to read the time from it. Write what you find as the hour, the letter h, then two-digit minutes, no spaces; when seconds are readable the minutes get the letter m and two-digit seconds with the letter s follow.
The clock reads 6h46
